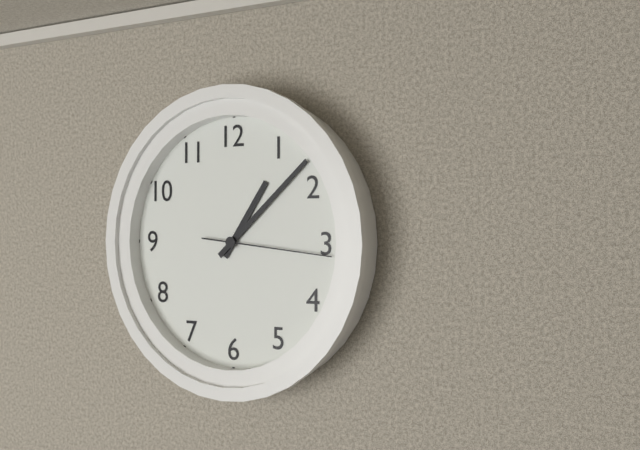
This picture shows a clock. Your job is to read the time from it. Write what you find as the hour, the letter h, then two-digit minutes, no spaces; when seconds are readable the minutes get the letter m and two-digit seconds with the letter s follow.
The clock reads 1h08m16s
